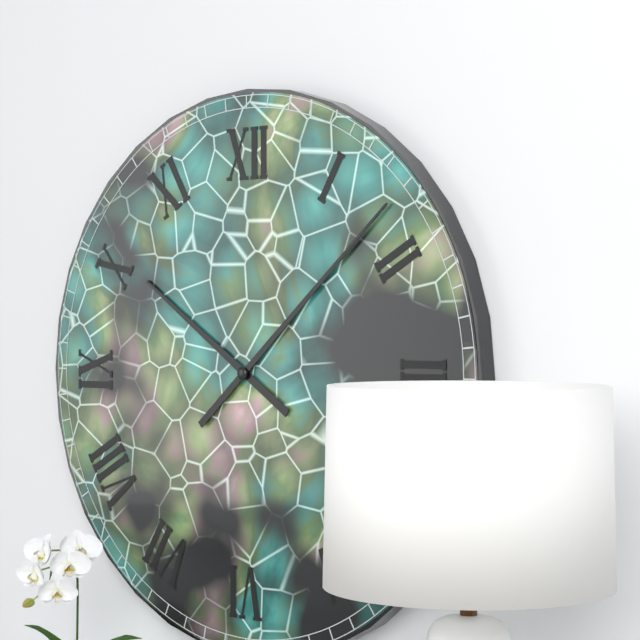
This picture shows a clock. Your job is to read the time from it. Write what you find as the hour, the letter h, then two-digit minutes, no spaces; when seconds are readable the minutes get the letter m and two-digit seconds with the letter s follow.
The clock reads 10h08
